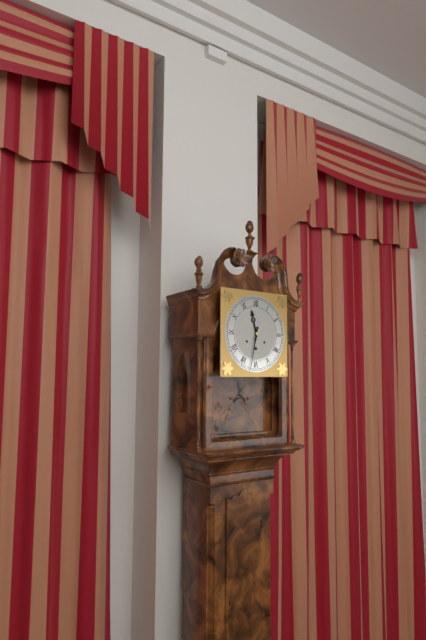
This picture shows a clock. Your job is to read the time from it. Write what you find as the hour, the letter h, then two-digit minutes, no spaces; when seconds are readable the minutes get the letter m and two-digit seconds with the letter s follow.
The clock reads 11h32
